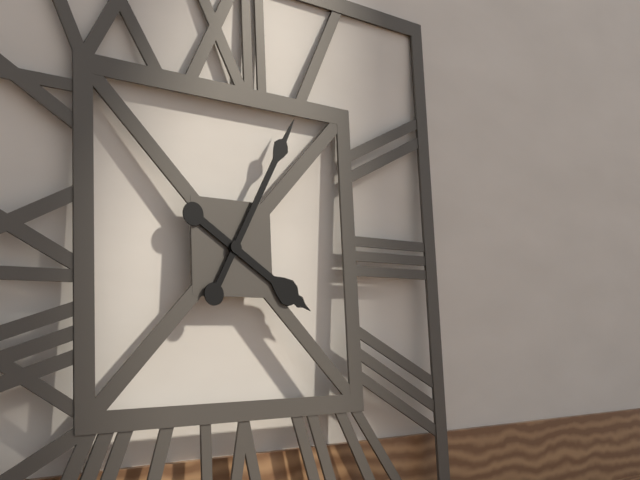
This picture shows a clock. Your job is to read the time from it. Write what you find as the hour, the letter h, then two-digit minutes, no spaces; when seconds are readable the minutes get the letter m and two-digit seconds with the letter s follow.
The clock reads 4h05
